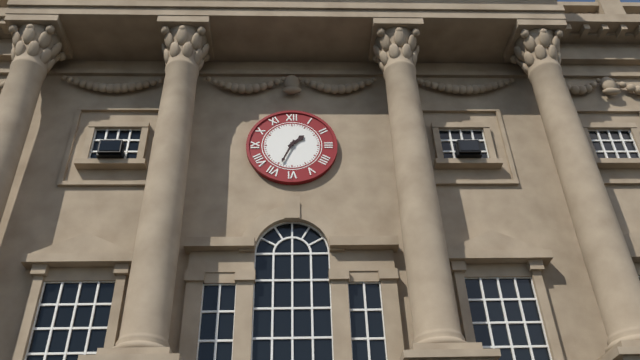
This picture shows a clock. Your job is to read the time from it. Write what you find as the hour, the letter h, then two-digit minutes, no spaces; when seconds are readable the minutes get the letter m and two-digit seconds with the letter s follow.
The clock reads 1h34
